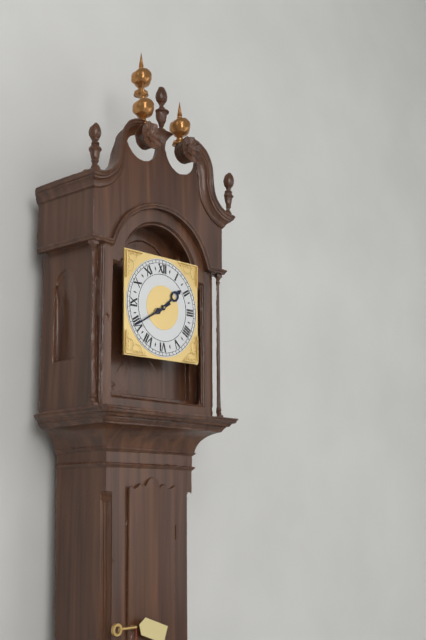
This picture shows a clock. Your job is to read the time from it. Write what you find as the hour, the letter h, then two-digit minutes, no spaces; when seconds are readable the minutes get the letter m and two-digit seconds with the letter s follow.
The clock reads 1h40
